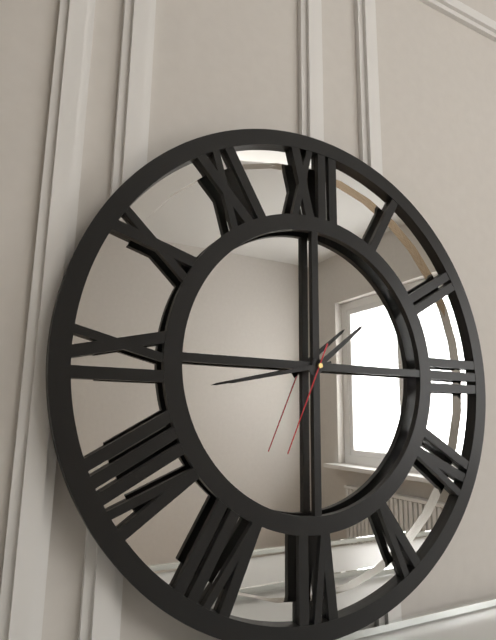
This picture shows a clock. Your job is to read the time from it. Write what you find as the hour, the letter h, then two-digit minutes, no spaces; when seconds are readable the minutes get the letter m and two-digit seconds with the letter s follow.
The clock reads 1h43m34s
